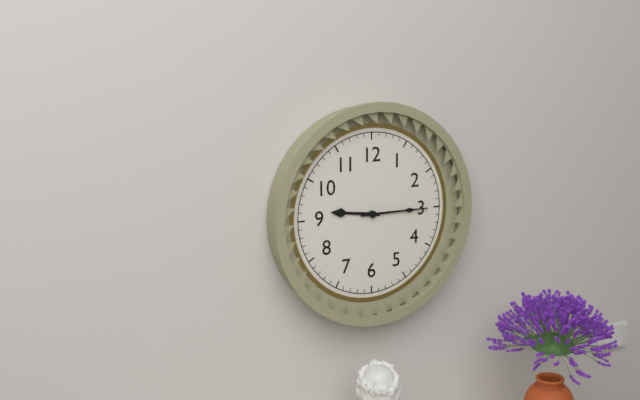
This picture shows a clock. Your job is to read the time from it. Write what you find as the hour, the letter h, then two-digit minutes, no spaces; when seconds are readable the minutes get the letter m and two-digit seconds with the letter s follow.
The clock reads 9h15
